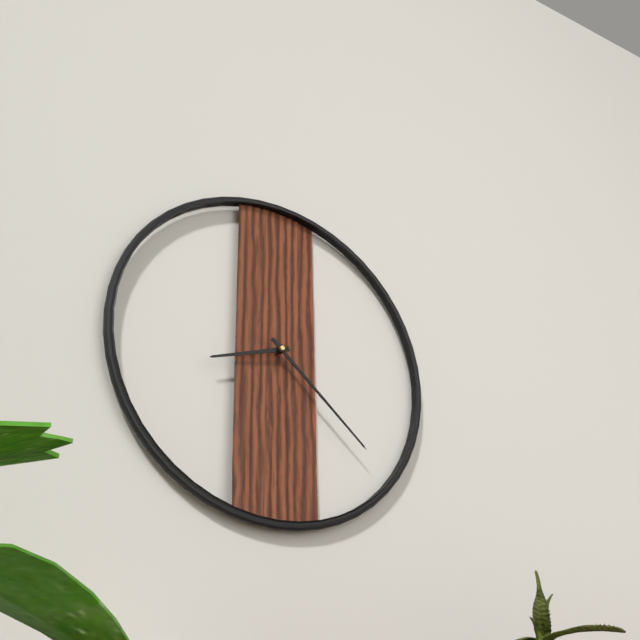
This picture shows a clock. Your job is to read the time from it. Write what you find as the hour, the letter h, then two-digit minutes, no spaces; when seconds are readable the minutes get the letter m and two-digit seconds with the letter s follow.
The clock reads 8h22
